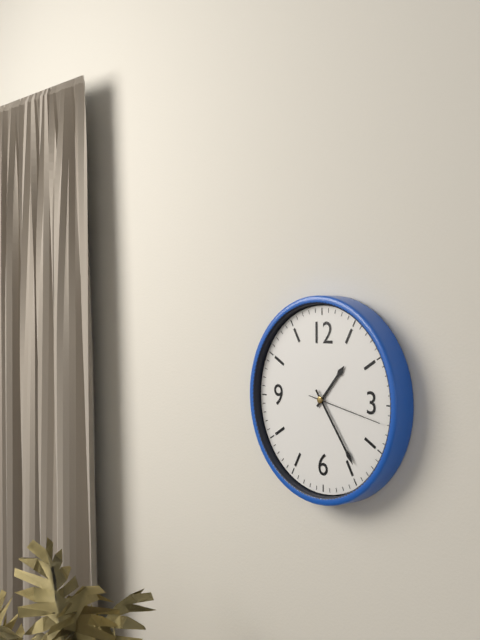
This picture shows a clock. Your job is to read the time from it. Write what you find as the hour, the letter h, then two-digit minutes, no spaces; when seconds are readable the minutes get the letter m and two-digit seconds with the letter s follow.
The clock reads 1h24m17s
